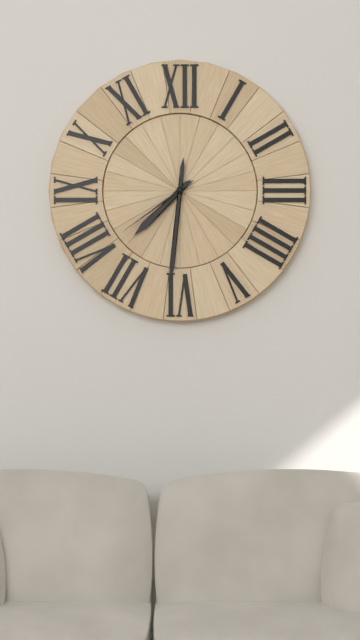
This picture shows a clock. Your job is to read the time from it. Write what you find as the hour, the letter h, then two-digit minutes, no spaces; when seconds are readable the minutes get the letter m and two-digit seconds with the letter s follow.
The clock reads 7h31m39s
